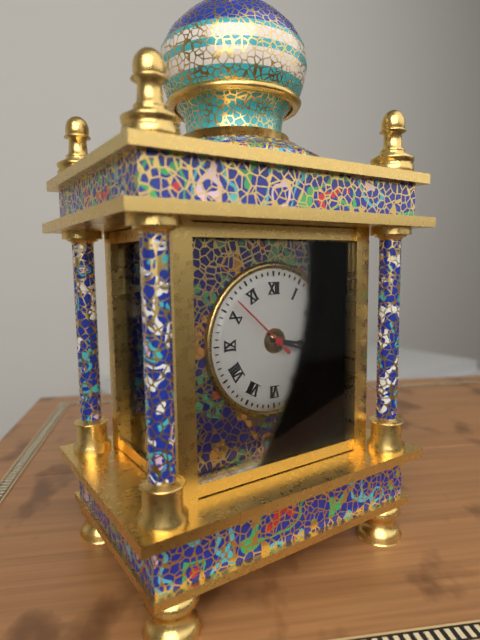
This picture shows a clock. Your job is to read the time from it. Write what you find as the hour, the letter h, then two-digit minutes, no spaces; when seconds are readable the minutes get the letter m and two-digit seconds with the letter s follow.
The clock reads 3h18m52s
